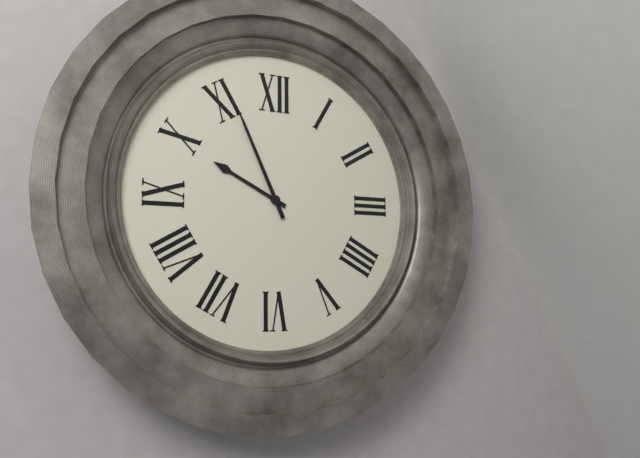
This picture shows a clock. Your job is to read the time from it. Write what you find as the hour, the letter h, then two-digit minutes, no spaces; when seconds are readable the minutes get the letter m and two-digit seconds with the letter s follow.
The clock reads 9h56
